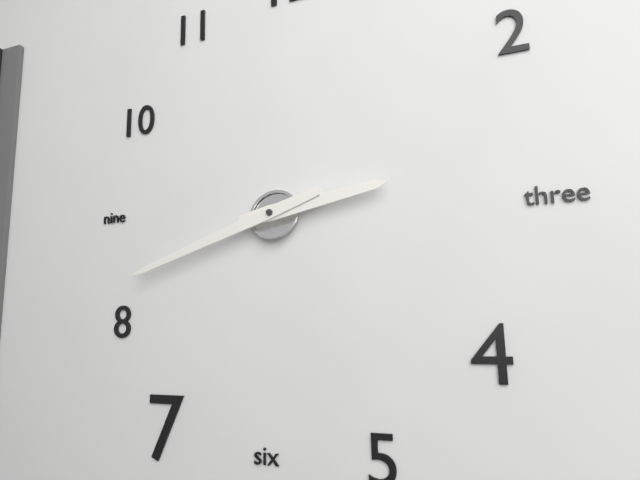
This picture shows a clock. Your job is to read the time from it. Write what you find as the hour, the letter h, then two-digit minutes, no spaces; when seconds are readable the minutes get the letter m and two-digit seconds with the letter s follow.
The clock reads 2h42
